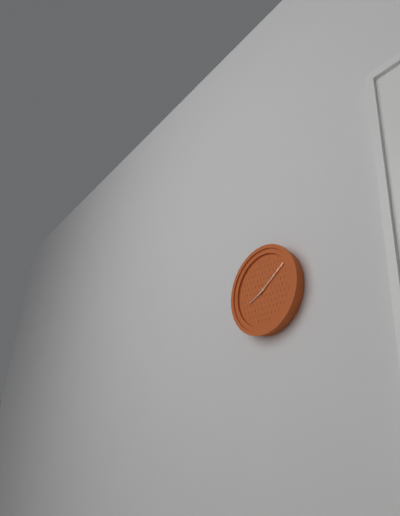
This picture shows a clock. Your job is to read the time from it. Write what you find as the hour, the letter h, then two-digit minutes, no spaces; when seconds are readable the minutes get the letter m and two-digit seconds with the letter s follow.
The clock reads 8h09
